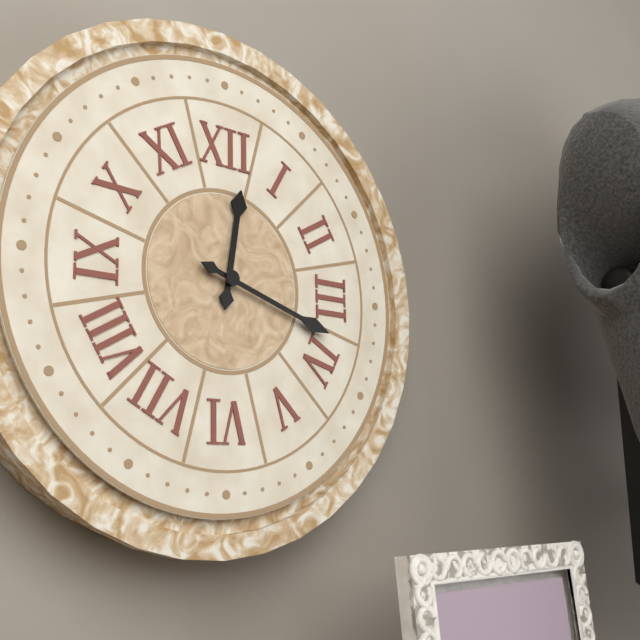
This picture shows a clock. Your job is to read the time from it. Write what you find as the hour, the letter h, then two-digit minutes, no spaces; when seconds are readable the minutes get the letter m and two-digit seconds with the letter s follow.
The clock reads 12h18
